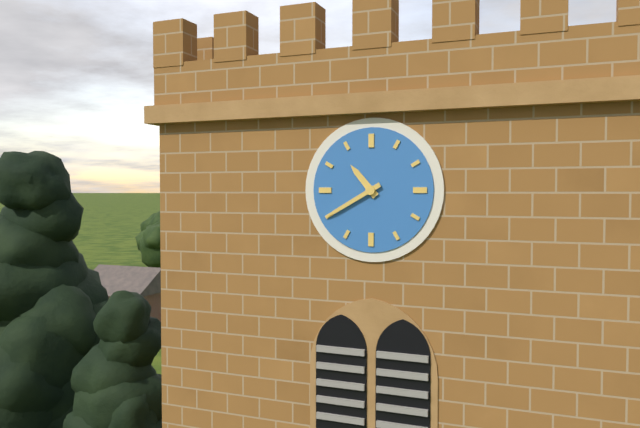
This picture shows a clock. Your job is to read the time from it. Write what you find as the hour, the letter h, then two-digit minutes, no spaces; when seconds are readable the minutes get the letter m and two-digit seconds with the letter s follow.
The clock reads 10h40
